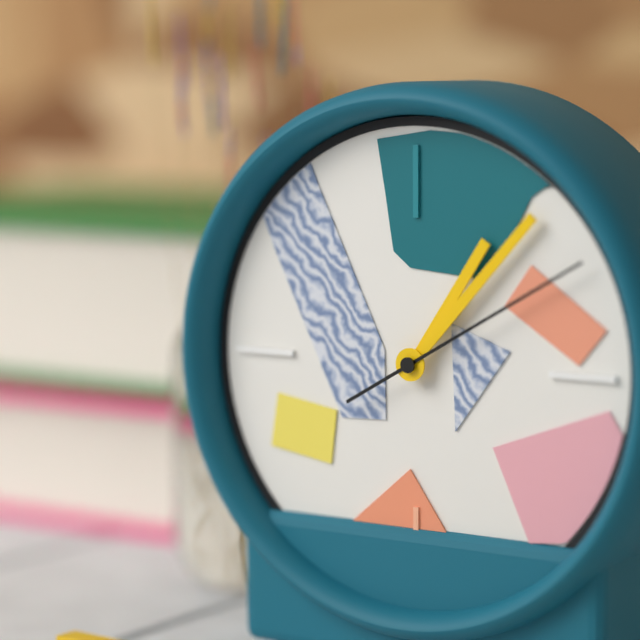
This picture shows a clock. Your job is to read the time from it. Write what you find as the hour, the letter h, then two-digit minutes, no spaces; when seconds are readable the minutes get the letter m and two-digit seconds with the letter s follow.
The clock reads 1h07m10s
